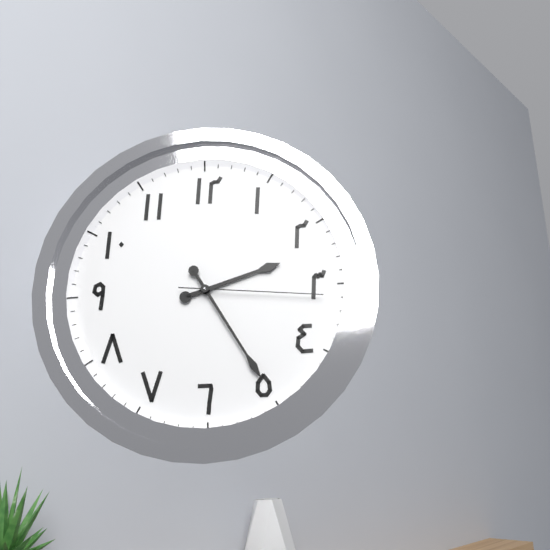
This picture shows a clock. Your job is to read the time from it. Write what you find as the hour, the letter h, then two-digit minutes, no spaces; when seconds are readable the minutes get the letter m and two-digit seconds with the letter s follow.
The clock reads 2h25m16s
